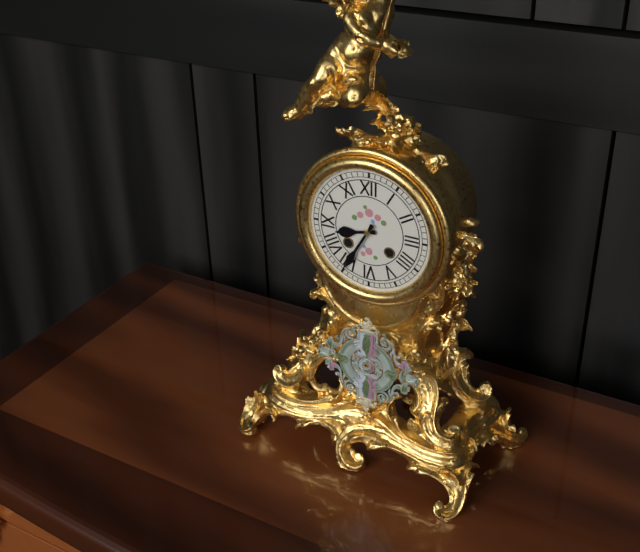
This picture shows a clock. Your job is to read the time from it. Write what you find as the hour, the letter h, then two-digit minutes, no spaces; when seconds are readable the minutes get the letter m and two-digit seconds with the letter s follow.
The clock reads 8h35
